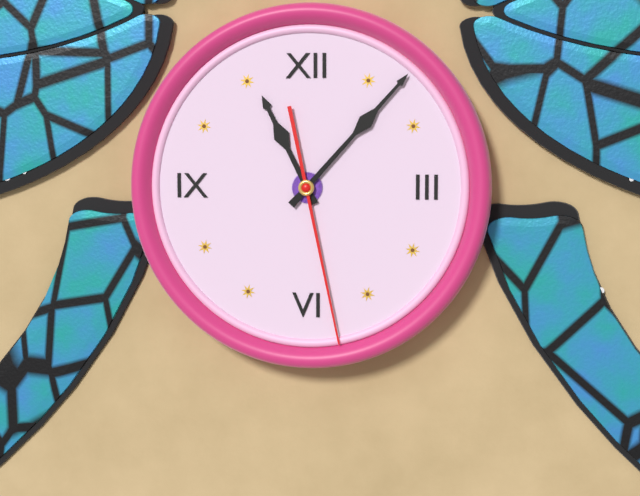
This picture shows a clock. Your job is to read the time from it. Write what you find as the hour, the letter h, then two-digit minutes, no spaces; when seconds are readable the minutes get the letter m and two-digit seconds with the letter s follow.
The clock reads 11h07m28s
